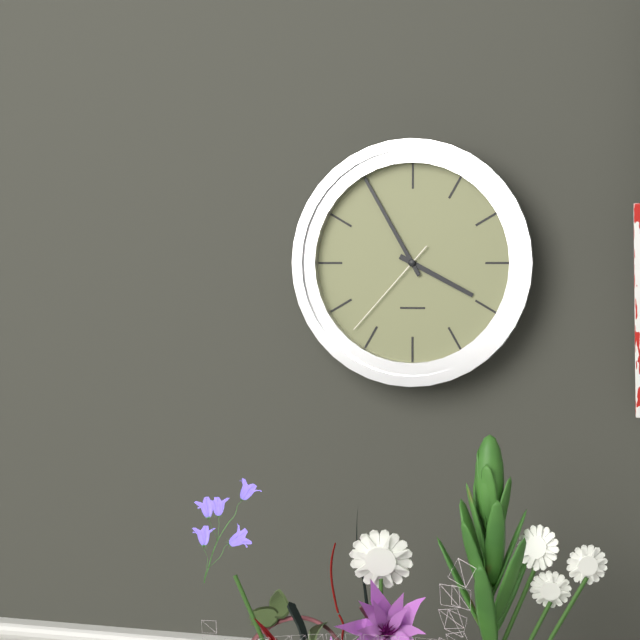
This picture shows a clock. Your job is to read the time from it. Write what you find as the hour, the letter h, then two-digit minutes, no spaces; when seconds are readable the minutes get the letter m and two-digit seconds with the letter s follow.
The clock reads 3h55m37s
